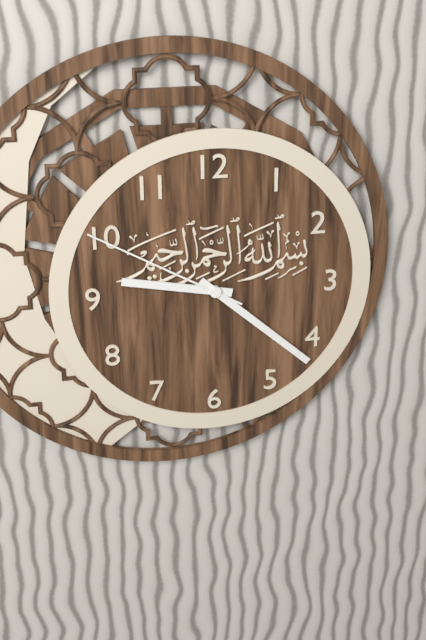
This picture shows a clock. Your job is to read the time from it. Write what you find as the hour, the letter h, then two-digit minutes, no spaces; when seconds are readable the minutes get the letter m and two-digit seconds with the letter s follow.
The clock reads 9h22m50s
